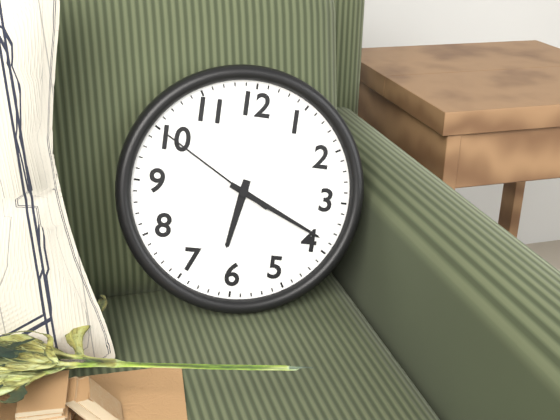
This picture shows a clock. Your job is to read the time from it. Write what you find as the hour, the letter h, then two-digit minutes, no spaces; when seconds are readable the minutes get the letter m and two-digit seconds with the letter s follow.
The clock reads 6h19m50s
